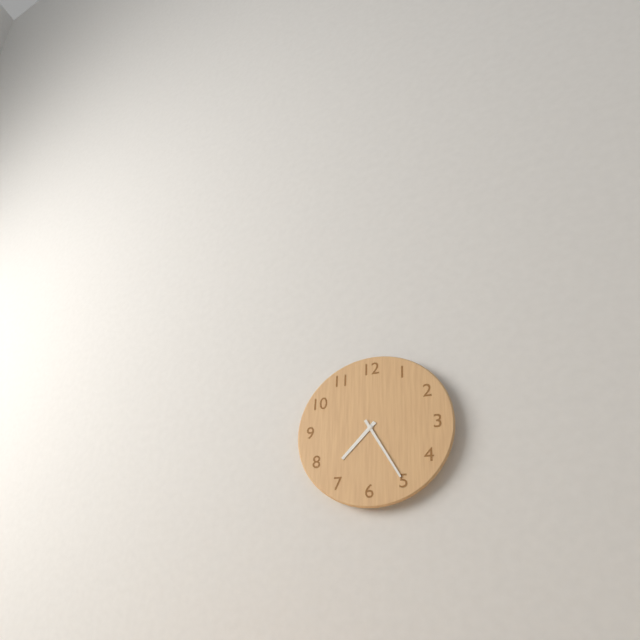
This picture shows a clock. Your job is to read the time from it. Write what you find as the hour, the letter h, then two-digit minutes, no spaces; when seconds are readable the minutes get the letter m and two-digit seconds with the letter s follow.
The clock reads 7h25
